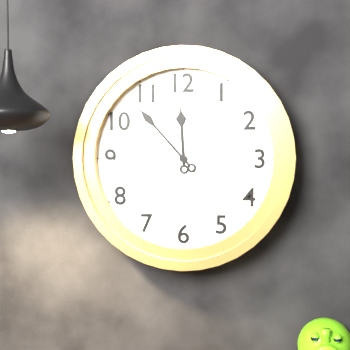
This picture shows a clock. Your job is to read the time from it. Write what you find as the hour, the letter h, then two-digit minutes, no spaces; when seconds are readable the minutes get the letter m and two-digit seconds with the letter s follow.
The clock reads 11h53
